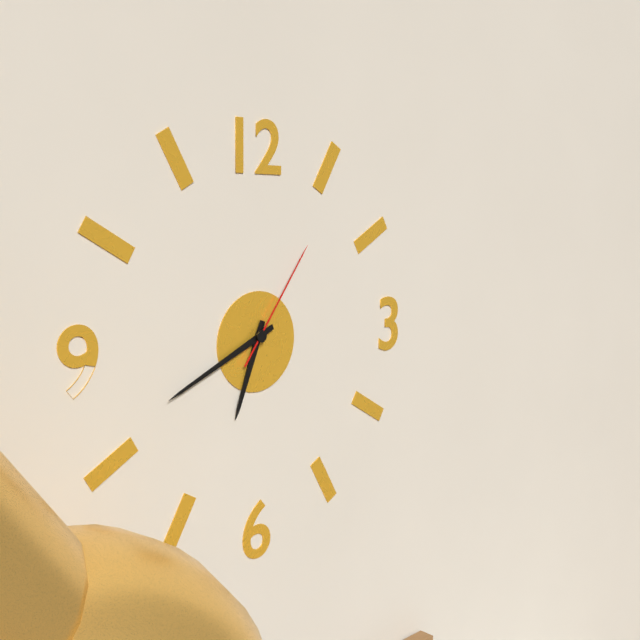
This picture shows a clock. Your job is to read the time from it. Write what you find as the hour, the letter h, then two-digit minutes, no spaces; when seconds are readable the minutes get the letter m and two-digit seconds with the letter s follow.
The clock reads 6h41m06s
